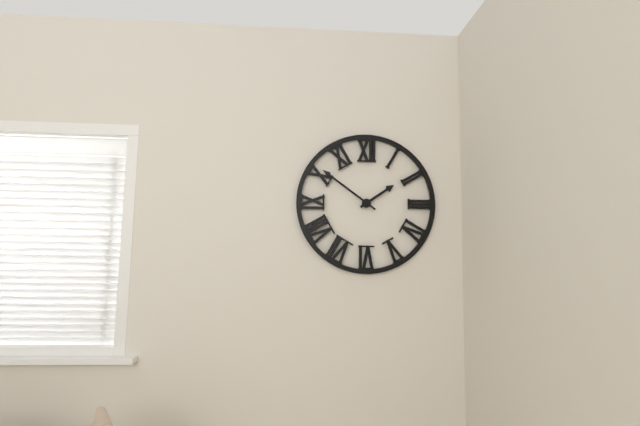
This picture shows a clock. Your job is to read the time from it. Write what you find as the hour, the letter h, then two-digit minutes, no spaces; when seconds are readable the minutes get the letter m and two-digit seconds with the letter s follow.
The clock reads 1h51
